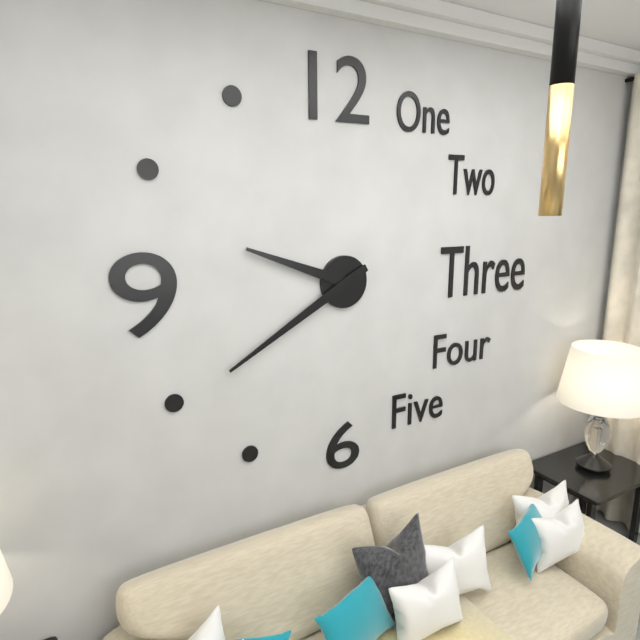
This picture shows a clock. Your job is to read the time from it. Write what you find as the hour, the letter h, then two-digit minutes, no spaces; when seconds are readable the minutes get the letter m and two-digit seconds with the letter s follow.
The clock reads 9h40
